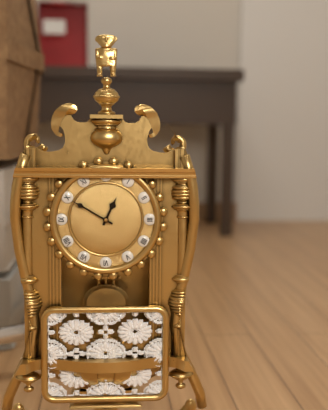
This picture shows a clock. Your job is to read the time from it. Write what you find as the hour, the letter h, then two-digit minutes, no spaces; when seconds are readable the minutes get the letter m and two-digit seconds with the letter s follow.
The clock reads 12h50
